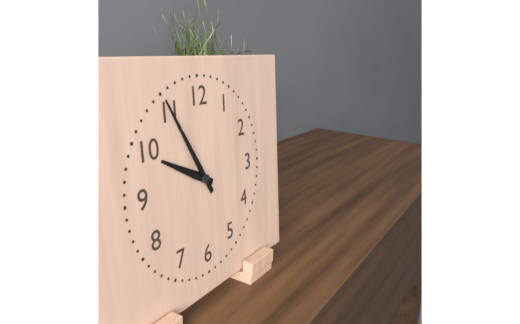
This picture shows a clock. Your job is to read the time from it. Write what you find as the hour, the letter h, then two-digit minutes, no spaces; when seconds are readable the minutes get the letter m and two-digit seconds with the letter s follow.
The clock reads 9h55
